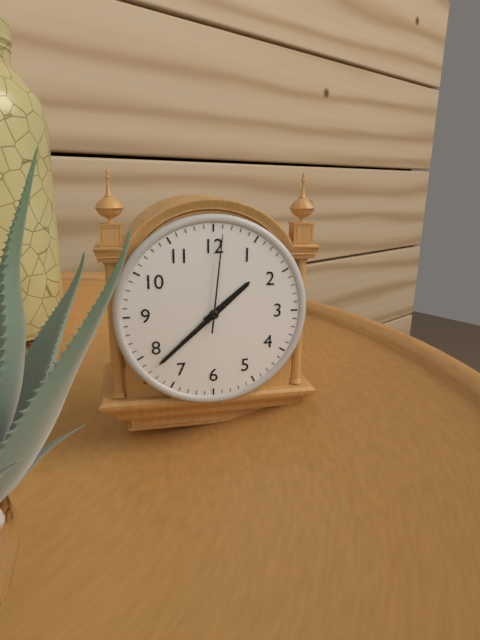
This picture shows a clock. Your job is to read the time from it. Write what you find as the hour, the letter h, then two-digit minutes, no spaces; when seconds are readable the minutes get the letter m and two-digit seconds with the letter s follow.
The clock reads 1h38m01s
